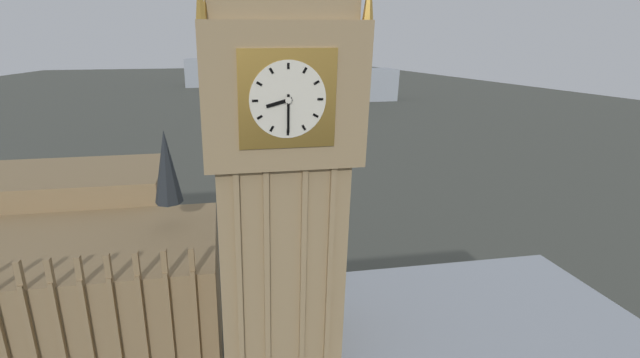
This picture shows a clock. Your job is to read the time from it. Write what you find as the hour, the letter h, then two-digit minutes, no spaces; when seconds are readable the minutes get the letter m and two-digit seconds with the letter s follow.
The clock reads 8h30
